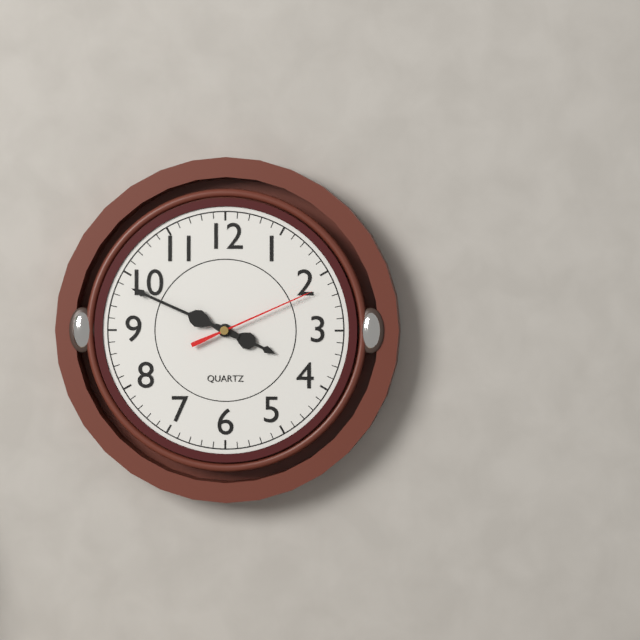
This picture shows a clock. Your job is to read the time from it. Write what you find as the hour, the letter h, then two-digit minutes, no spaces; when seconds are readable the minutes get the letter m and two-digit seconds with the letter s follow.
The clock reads 3h49m11s
